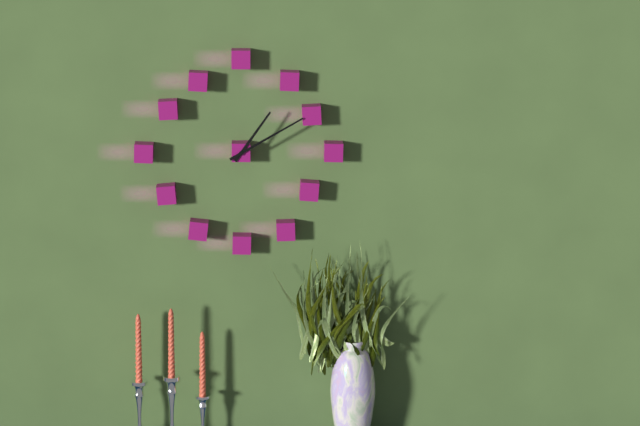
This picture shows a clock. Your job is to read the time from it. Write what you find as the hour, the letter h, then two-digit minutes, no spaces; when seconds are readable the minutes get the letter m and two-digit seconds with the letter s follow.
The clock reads 1h10
